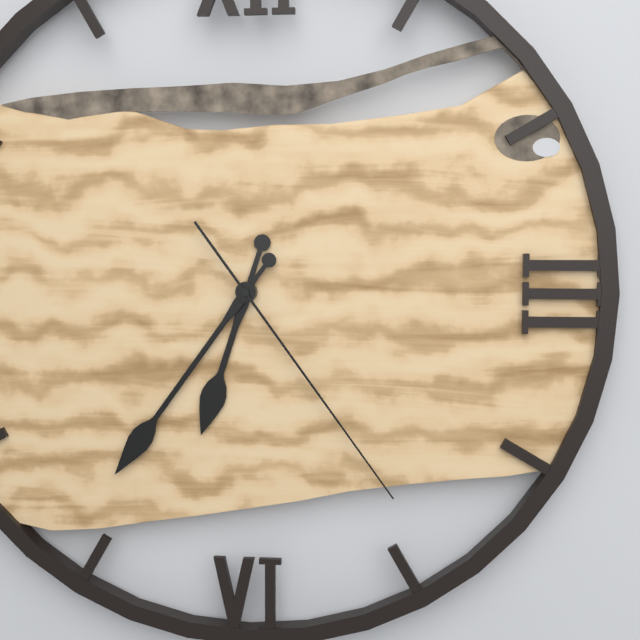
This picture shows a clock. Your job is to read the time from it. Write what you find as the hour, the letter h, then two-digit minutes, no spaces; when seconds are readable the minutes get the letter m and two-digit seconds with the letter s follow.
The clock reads 6h36m24s
